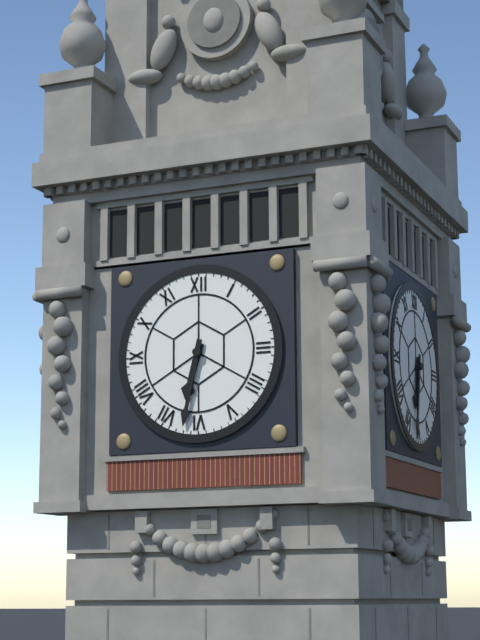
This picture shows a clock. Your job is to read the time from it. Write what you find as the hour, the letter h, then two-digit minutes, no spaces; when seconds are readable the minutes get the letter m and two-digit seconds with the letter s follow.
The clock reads 6h32
